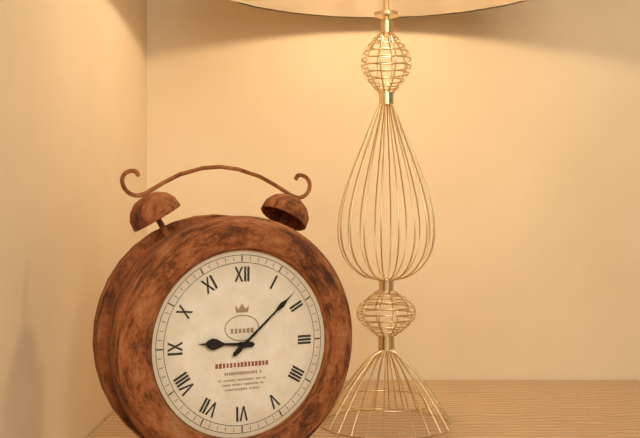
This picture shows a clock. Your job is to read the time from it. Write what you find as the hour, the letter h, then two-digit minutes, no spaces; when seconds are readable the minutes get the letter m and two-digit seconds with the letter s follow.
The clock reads 9h08
